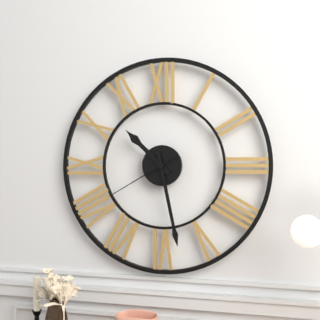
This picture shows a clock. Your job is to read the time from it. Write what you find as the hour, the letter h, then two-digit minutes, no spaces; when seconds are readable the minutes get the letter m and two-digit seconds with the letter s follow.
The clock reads 10h28m40s
